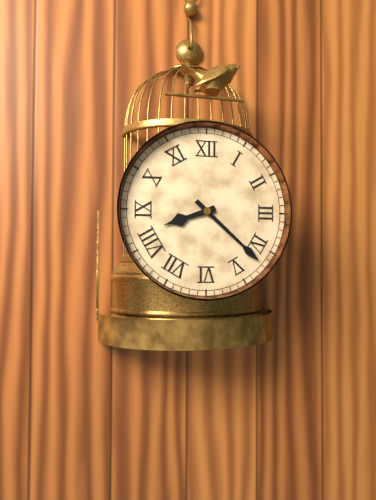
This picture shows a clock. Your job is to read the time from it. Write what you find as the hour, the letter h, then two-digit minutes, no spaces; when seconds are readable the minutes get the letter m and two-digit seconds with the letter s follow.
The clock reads 8h22
